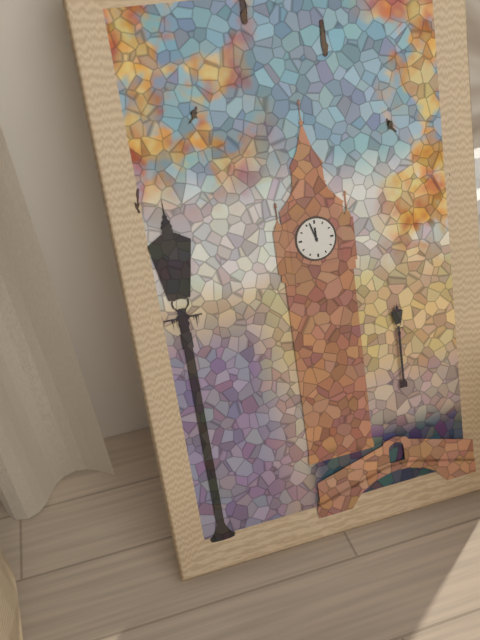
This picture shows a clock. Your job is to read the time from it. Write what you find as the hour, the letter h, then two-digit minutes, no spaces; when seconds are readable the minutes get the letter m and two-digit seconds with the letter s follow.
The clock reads 11h57
